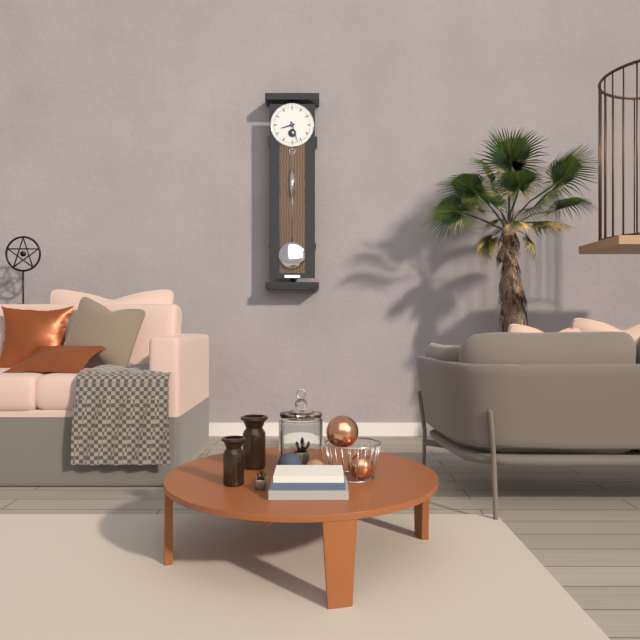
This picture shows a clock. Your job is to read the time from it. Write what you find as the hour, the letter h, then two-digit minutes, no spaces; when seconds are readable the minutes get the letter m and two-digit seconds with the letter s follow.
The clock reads 8h27
